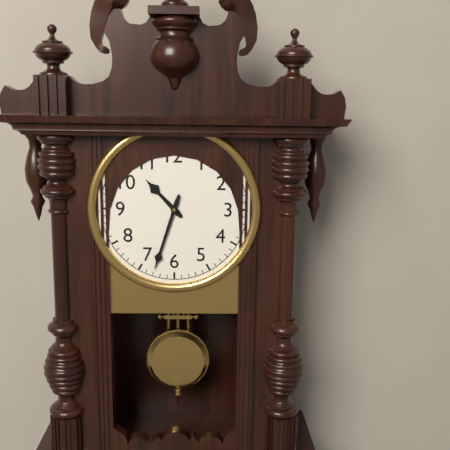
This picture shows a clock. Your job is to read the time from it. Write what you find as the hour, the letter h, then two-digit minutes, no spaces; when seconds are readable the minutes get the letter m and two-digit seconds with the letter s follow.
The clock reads 10h33
